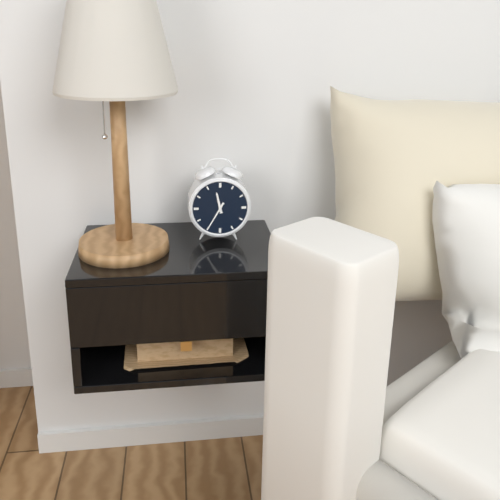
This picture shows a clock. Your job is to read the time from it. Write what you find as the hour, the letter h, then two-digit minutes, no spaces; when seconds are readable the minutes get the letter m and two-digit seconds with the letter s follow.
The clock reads 11h35
